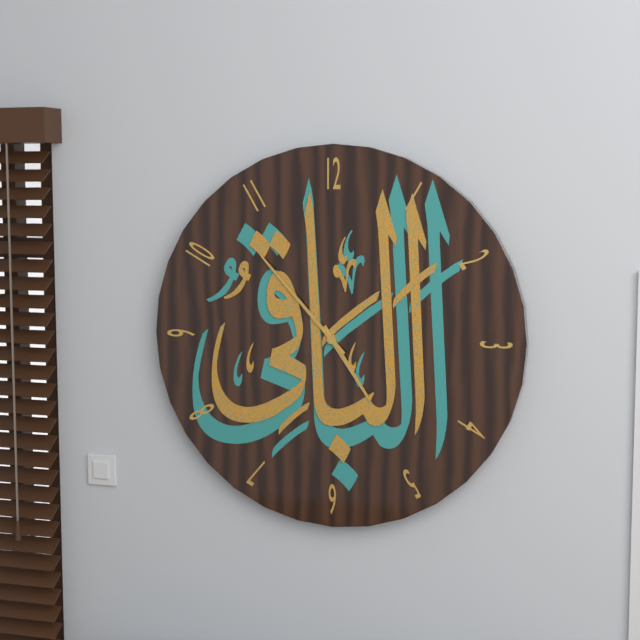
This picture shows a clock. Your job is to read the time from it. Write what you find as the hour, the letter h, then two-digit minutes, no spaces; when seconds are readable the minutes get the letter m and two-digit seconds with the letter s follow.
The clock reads 4h53
